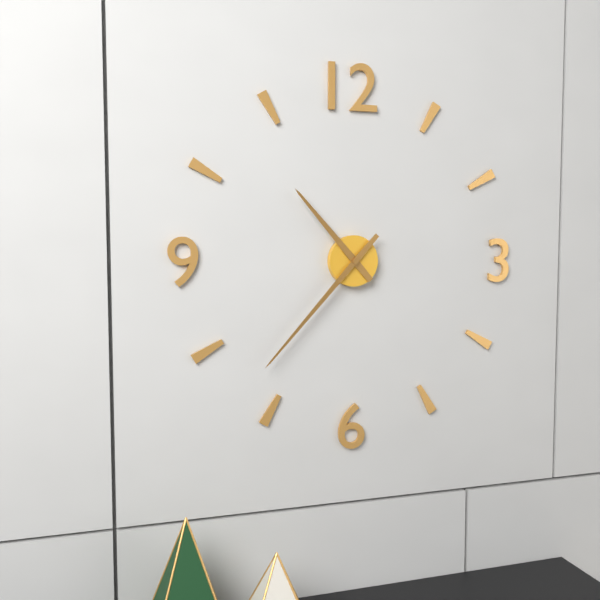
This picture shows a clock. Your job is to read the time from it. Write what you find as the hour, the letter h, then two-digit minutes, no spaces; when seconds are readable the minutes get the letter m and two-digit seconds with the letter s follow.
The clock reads 10h37
